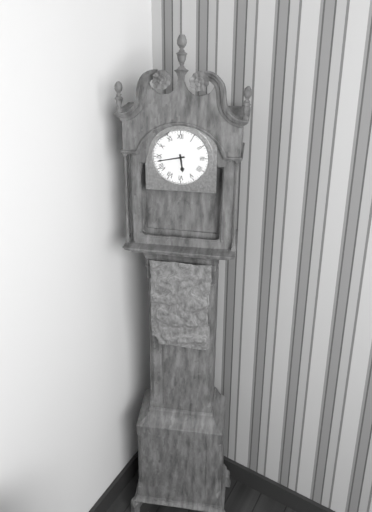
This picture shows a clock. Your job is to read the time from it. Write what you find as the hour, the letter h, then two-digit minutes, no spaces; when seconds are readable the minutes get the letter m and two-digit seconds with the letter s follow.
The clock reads 5h43
